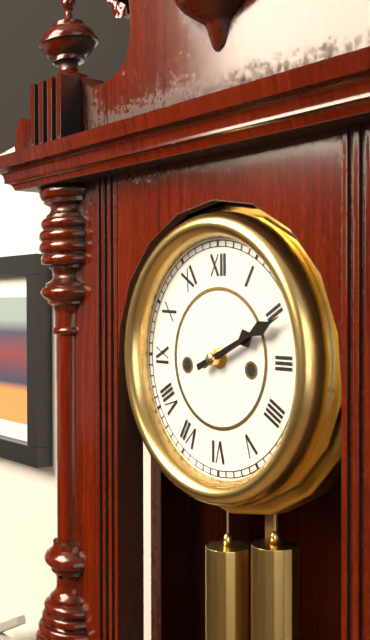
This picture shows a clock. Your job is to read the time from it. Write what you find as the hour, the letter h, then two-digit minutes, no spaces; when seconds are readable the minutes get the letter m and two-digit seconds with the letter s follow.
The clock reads 2h11
